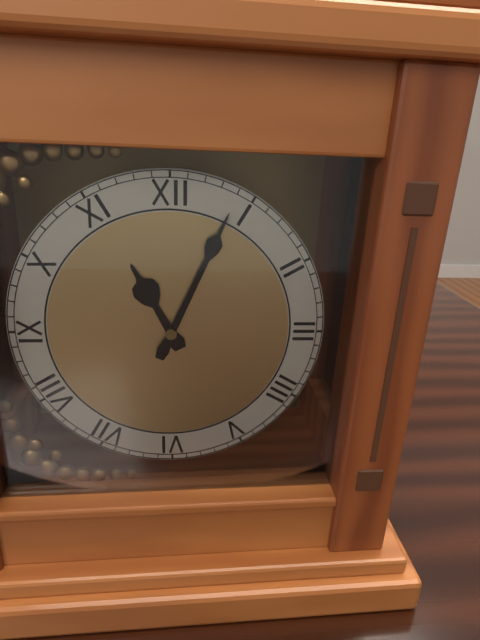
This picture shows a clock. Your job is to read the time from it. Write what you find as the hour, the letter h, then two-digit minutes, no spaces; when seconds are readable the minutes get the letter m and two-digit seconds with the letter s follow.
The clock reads 11h04
